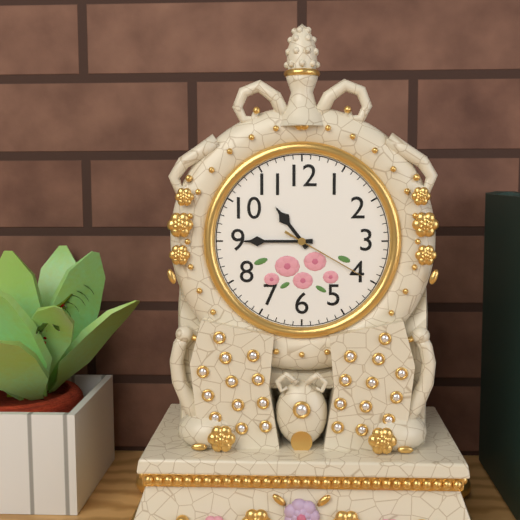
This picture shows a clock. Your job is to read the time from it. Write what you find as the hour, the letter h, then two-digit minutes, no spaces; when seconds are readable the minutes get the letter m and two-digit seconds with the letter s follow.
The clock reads 10h45m20s
